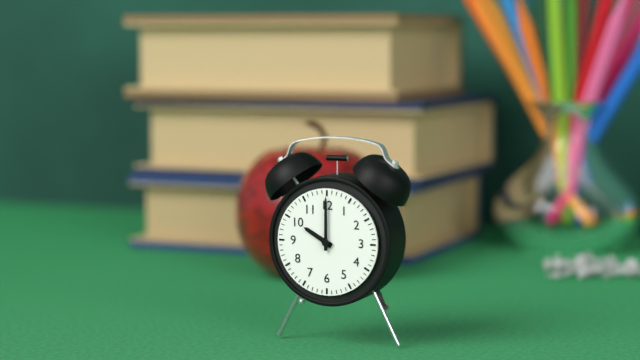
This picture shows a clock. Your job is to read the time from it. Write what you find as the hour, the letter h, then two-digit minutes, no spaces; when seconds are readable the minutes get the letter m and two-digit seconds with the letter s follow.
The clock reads 10h00
